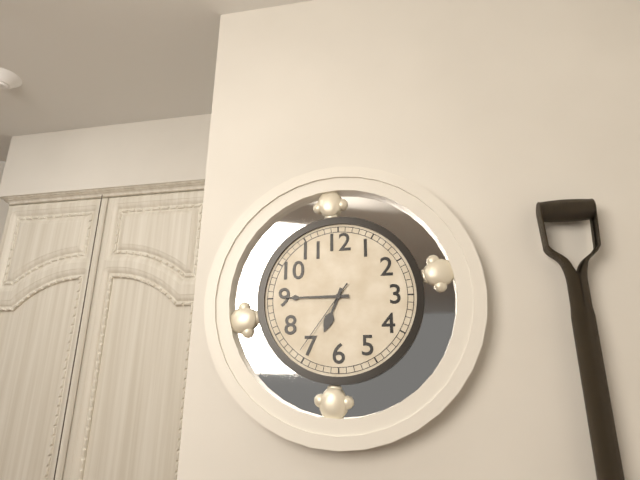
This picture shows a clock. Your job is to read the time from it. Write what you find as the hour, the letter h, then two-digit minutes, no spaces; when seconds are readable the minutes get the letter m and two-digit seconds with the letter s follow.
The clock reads 6h45m36s
